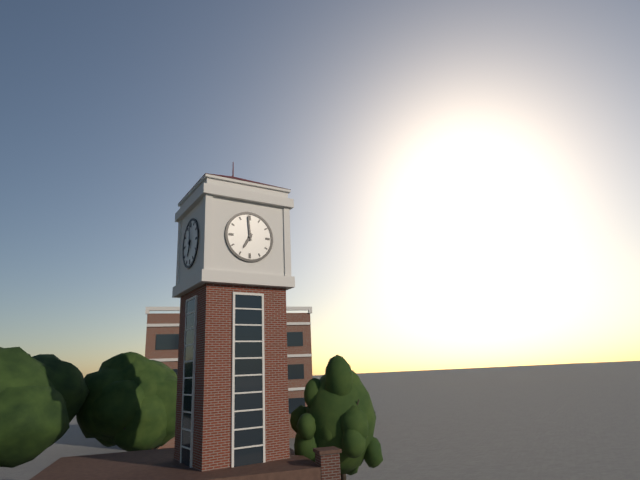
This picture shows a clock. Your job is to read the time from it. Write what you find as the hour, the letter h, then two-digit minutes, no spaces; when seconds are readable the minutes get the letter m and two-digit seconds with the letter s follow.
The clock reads 6h59
